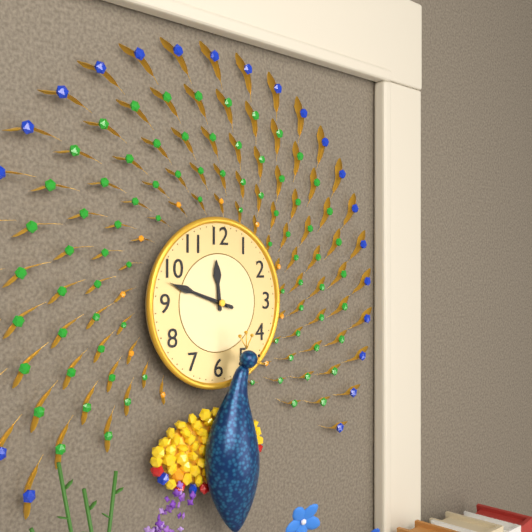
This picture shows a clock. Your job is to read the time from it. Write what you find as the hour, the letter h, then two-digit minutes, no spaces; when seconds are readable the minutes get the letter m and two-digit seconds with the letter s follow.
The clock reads 11h48m48s
